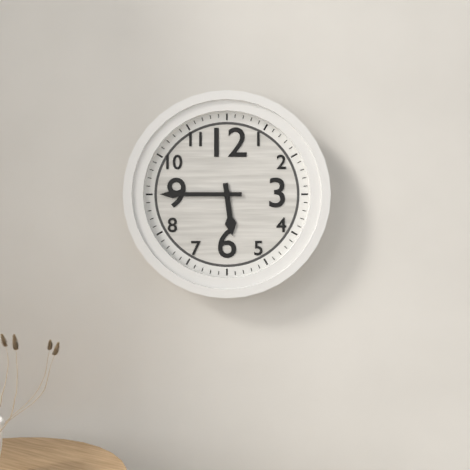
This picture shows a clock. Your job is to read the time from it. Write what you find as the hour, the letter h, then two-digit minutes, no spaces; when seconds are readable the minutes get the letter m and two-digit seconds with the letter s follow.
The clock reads 5h45
